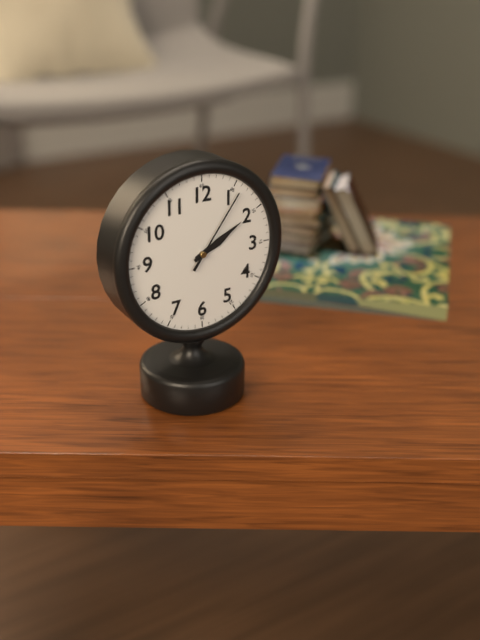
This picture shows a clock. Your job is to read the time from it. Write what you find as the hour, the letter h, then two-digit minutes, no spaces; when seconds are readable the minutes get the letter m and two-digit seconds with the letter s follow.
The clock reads 2h10m06s
